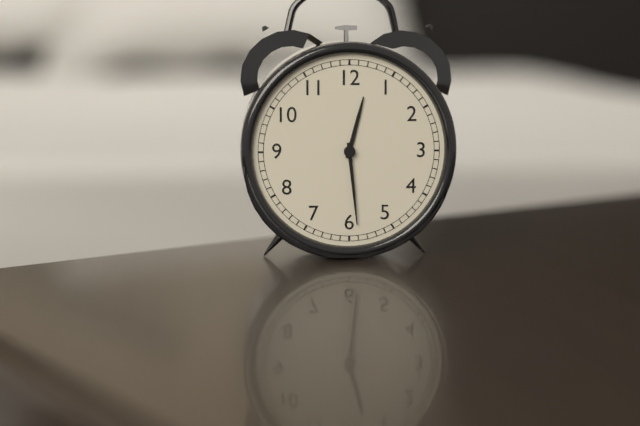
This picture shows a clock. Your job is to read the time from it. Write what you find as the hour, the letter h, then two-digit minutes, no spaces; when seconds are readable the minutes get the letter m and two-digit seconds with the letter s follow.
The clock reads 12h29
